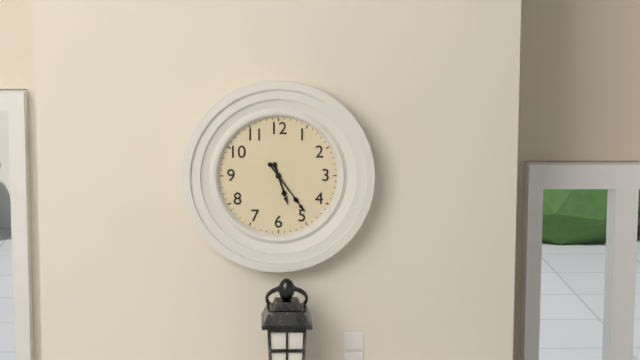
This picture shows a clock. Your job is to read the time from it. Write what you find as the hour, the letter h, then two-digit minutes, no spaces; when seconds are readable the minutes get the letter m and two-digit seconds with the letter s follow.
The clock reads 5h24
